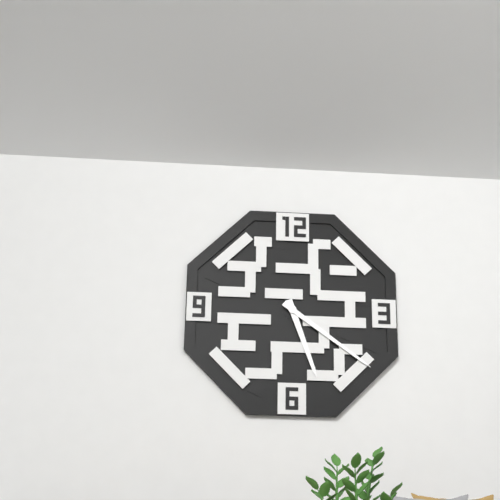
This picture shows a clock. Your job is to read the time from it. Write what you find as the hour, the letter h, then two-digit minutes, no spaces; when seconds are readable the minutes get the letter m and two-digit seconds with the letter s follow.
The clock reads 5h21
